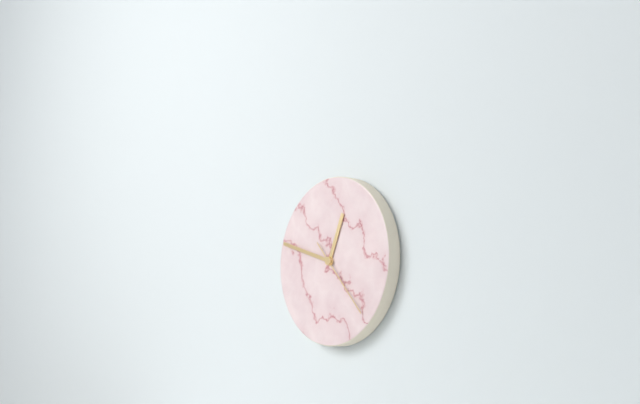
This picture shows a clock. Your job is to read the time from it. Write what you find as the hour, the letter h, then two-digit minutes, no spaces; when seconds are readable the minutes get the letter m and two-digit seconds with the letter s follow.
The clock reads 12h48m23s
